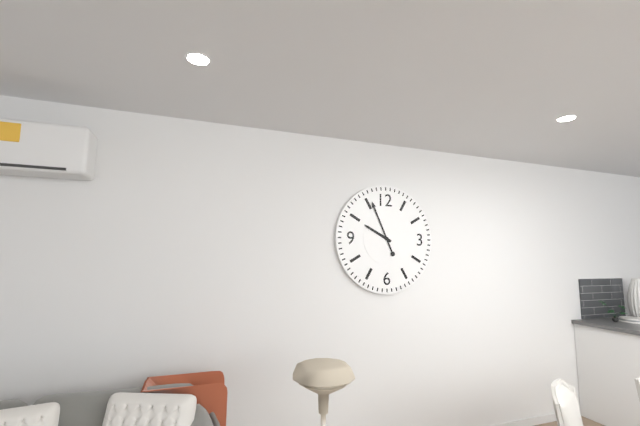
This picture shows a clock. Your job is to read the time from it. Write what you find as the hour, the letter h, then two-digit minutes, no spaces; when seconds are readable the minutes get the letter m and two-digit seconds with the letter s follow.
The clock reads 9h56
